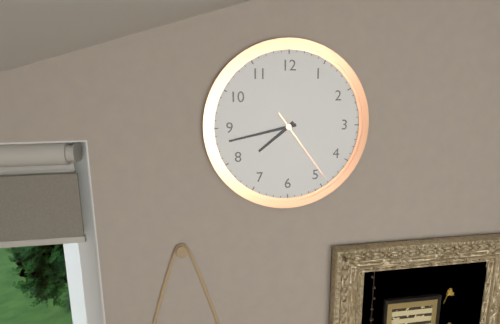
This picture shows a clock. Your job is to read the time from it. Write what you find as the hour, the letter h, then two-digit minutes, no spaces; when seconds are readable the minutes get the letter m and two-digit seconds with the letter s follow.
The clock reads 7h43m24s
